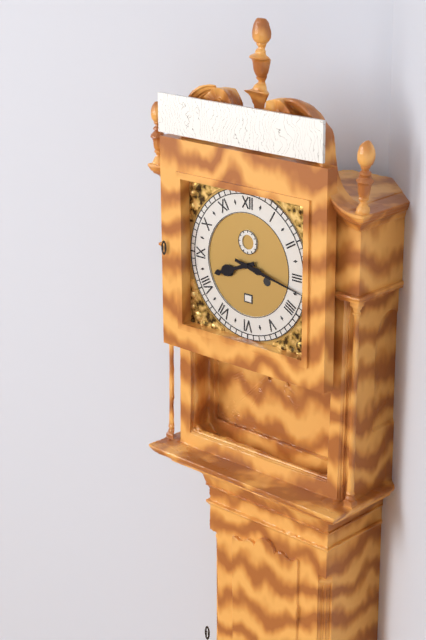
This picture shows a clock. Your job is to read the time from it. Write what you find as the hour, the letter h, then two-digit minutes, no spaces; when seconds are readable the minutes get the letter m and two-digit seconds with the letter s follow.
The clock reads 8h17
